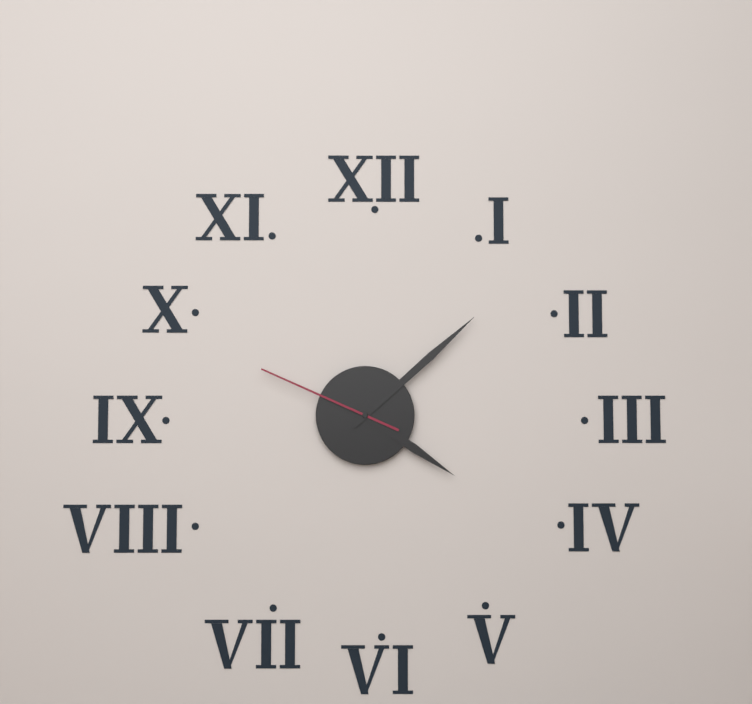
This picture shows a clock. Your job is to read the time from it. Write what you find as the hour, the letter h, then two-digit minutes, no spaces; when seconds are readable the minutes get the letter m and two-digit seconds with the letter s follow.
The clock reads 4h08m49s
